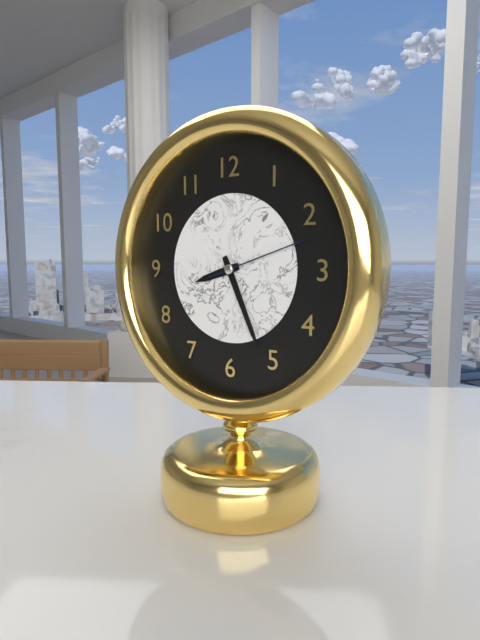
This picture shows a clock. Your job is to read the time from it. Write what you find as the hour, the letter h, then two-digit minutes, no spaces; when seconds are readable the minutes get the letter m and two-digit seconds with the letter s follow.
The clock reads 8h26m12s
